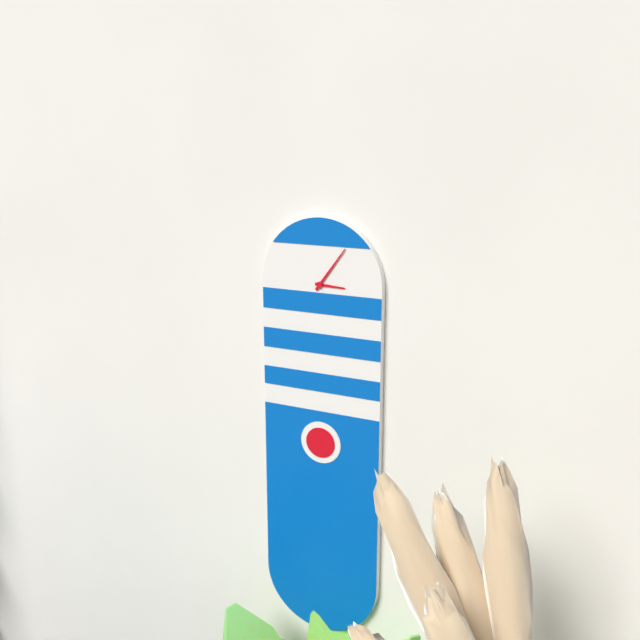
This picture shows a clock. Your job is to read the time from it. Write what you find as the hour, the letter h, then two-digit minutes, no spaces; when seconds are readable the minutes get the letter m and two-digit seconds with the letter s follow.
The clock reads 3h06
